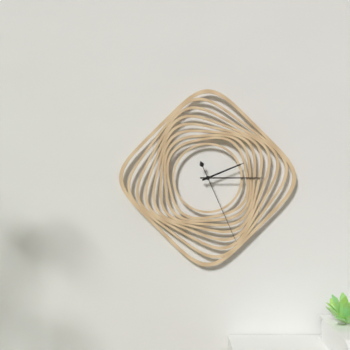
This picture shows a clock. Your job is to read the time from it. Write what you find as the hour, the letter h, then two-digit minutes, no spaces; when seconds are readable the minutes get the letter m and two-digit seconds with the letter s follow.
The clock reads 2h15m26s
